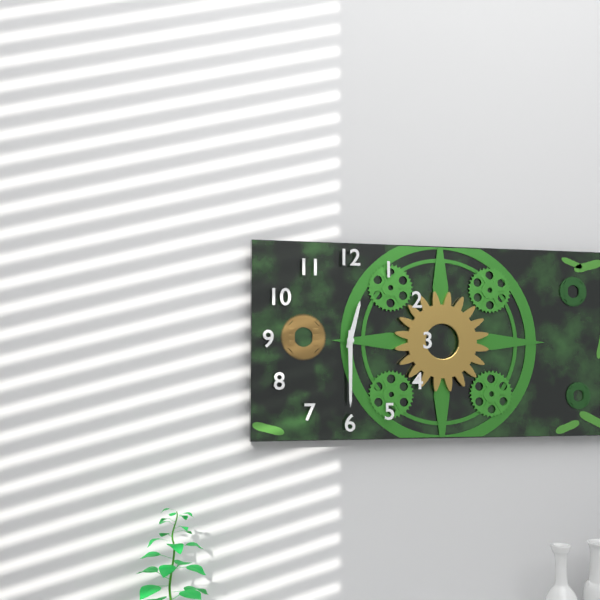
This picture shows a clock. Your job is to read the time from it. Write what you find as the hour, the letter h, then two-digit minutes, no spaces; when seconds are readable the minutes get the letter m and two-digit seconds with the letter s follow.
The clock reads 12h30
